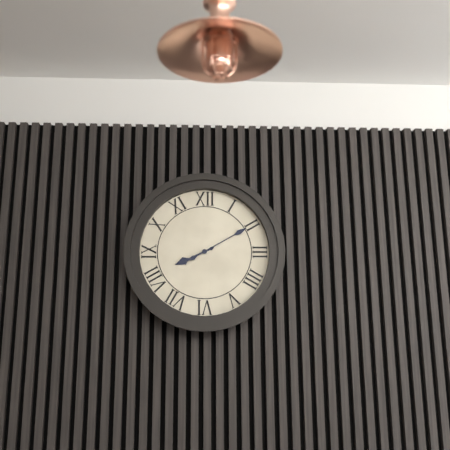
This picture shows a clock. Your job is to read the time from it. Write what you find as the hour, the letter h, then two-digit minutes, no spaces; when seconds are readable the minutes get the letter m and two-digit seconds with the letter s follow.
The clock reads 8h10
